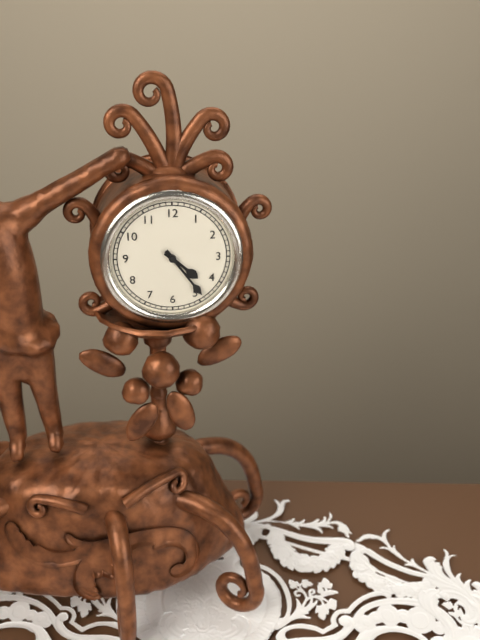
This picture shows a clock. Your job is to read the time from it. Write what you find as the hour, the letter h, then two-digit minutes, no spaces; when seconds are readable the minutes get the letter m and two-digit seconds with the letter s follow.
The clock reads 4h24
